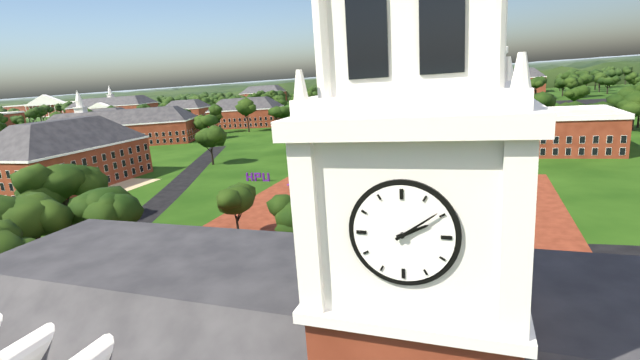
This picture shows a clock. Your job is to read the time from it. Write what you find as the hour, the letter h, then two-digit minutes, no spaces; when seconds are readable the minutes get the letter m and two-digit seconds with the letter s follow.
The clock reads 2h09
